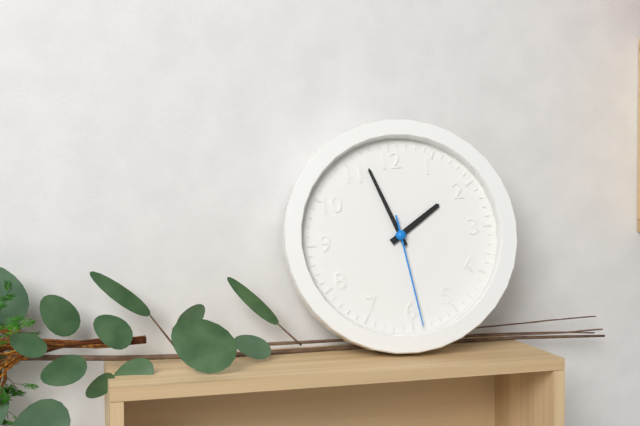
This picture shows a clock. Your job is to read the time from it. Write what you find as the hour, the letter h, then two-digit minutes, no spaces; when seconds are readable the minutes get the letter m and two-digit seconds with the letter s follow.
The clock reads 1h57m29s
